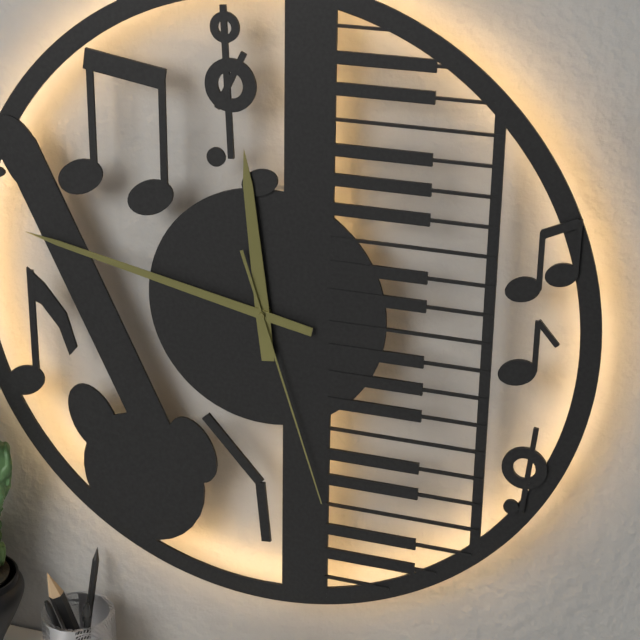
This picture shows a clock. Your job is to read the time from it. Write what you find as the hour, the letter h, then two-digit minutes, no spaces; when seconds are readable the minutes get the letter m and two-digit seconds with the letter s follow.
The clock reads 11h47m27s
